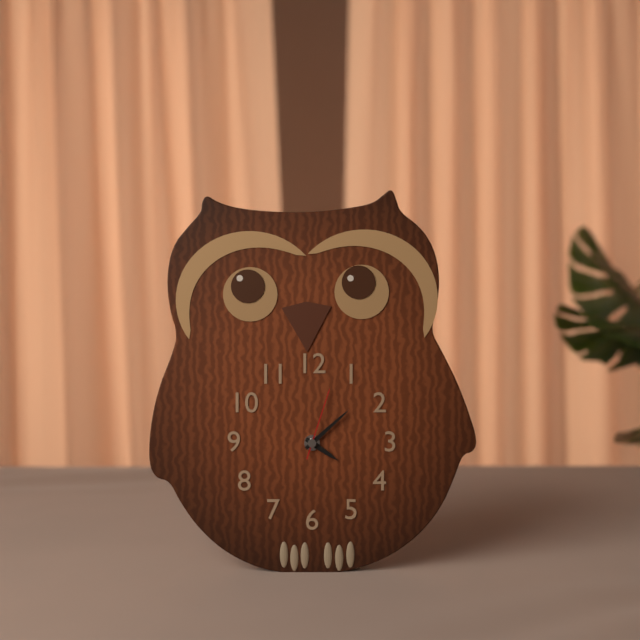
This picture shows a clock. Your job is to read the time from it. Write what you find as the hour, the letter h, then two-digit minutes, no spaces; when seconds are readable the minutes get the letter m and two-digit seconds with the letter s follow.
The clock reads 4h08m03s
